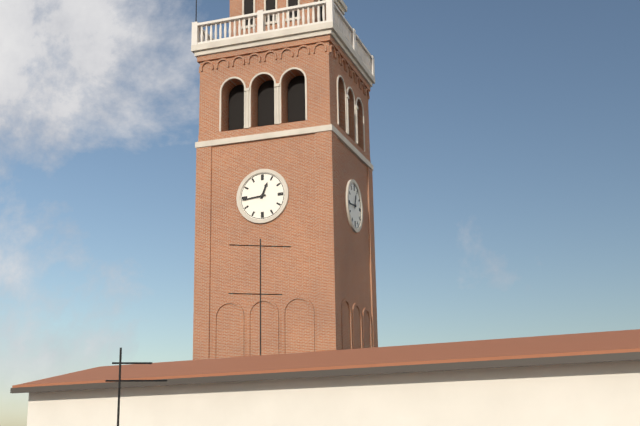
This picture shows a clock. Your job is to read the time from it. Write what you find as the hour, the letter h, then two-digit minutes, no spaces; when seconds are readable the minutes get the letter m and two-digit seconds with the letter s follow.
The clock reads 12h44
